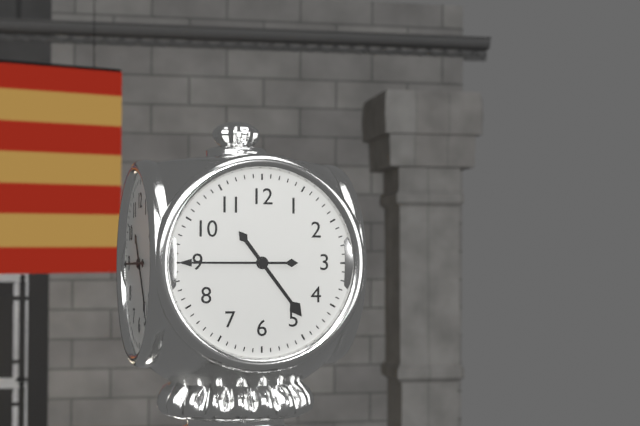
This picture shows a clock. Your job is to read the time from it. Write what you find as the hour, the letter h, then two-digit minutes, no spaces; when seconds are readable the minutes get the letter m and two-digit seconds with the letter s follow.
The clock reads 4h45
